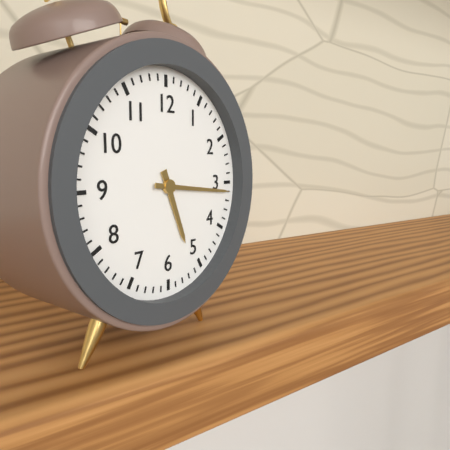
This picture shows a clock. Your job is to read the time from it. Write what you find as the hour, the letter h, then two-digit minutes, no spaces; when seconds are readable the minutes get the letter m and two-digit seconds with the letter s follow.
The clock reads 5h16
